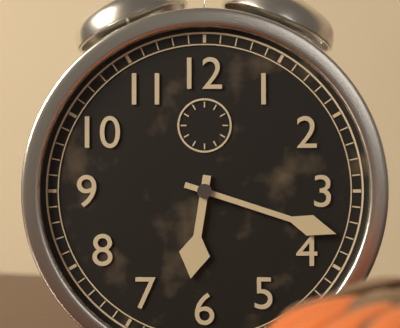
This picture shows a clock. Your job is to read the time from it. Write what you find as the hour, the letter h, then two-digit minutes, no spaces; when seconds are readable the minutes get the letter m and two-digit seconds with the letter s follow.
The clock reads 6h18
